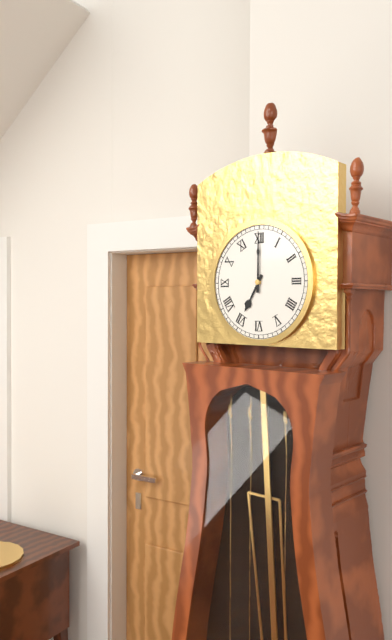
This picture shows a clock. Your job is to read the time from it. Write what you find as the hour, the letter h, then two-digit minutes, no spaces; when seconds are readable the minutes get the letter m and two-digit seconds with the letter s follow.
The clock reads 7h00
